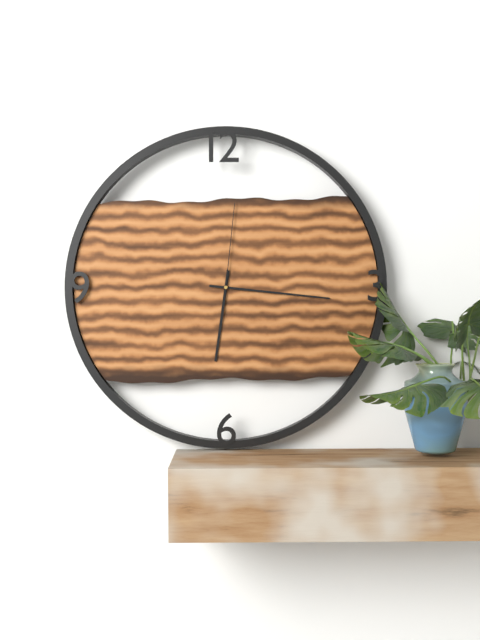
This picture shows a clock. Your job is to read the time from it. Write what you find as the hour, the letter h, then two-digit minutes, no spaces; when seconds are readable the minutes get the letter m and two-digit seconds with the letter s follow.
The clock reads 6h16m01s
